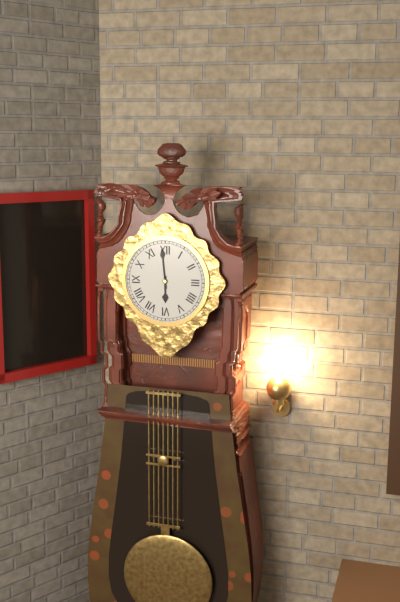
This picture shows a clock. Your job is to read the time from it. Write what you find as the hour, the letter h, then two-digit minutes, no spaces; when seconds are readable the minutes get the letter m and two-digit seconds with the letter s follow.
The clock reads 5h59
